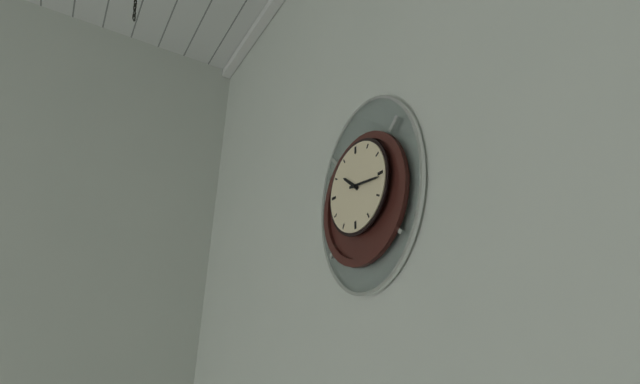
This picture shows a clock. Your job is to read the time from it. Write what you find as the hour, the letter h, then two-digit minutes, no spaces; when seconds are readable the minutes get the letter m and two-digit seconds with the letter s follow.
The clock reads 10h16
